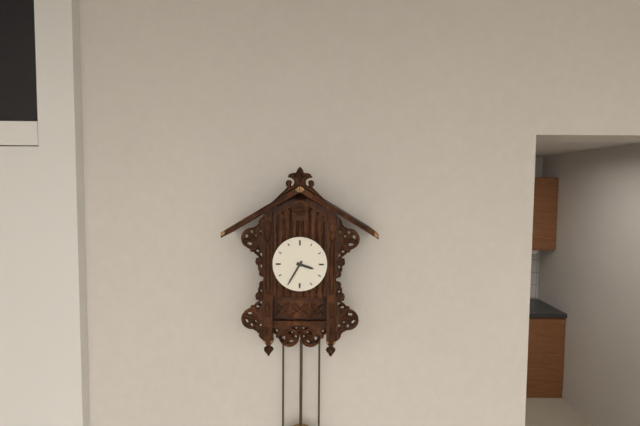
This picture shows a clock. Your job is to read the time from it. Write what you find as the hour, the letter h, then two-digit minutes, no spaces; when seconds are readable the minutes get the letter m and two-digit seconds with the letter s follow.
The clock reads 3h35
